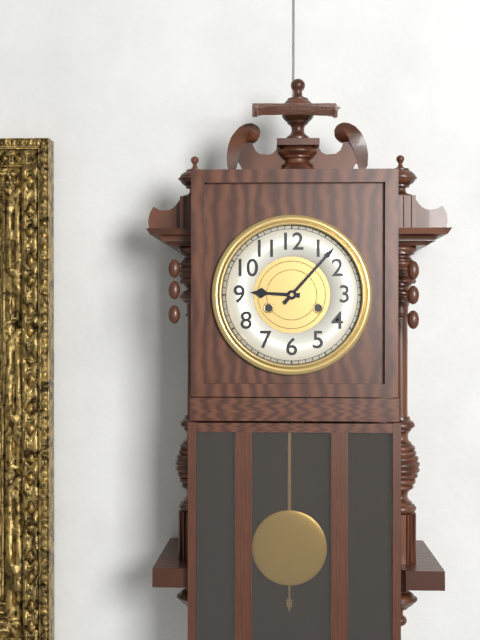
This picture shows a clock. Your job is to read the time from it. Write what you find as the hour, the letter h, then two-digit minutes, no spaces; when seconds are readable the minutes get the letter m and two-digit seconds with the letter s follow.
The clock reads 9h07
